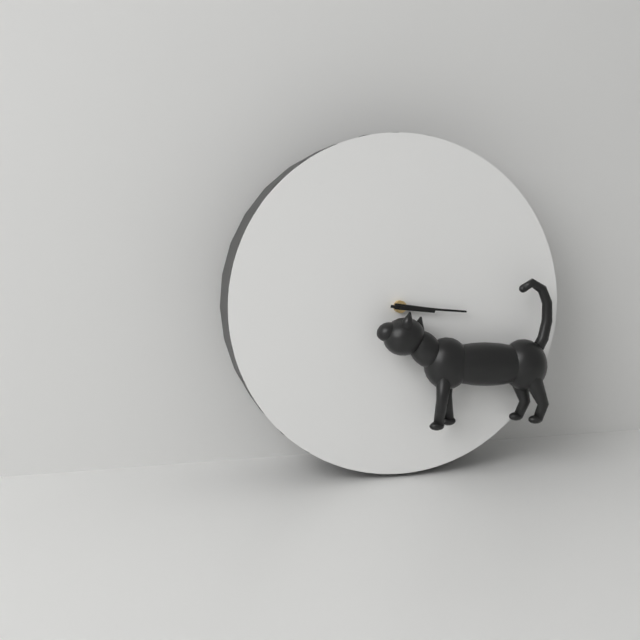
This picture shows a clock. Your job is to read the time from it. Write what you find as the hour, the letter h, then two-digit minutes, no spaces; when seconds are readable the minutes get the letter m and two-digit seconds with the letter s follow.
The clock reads 3h16
